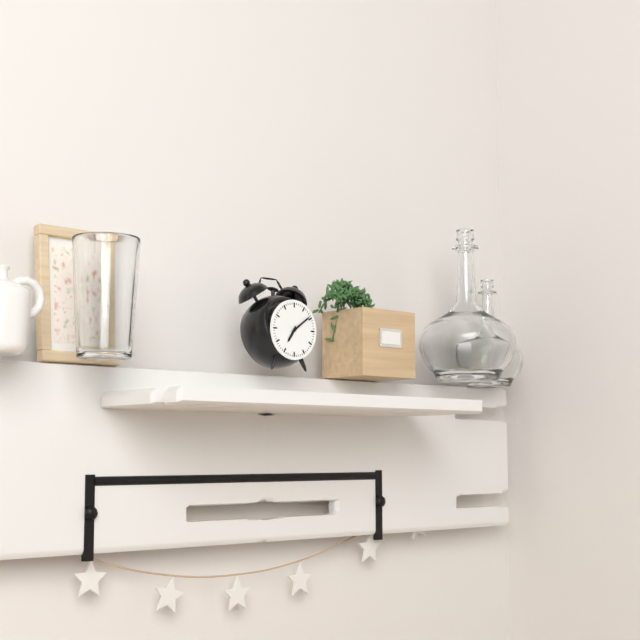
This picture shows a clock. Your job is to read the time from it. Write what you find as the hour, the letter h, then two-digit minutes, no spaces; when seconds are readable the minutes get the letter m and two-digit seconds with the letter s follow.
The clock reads 7h09
